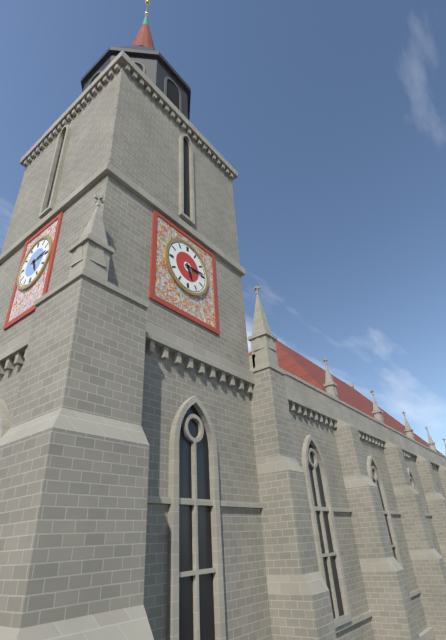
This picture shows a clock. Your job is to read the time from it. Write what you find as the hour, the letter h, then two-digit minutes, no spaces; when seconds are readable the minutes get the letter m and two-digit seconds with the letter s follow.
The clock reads 5h14
